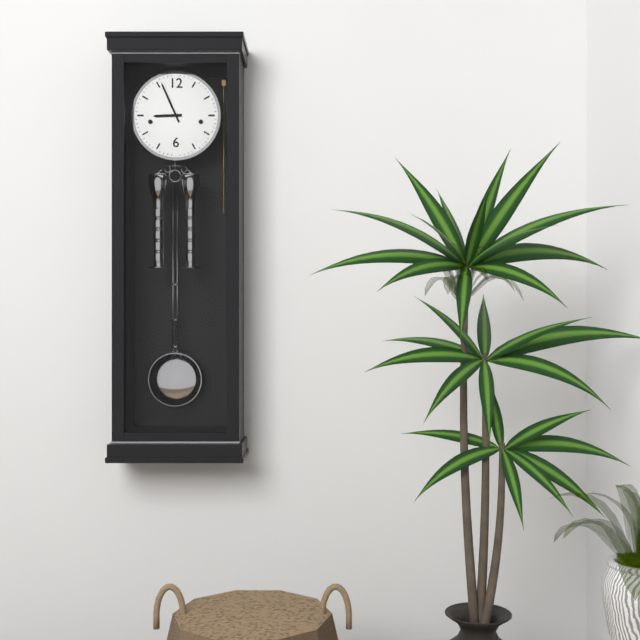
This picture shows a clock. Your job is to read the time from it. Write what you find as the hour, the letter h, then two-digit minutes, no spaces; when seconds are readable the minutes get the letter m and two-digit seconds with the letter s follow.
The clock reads 8h56
